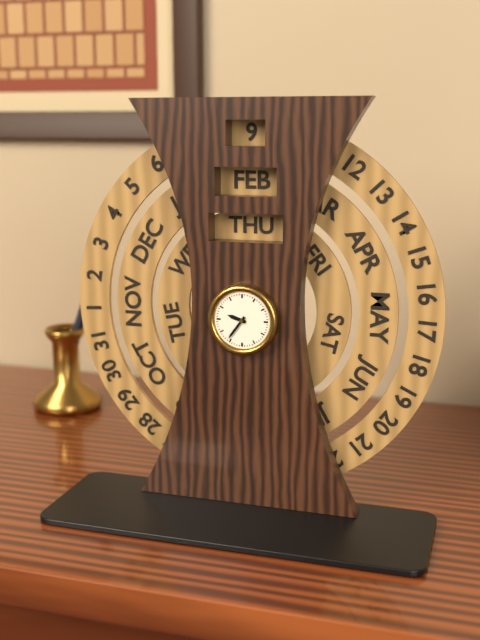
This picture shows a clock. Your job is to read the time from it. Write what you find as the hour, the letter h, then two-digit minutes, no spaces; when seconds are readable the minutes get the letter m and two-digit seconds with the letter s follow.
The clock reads 9h36
